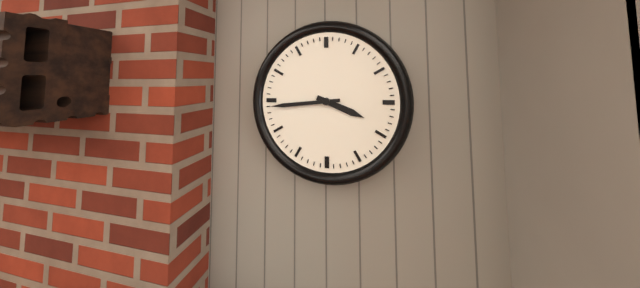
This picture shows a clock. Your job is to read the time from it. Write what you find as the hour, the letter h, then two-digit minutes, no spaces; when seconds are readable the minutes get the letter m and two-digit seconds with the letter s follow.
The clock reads 3h44
